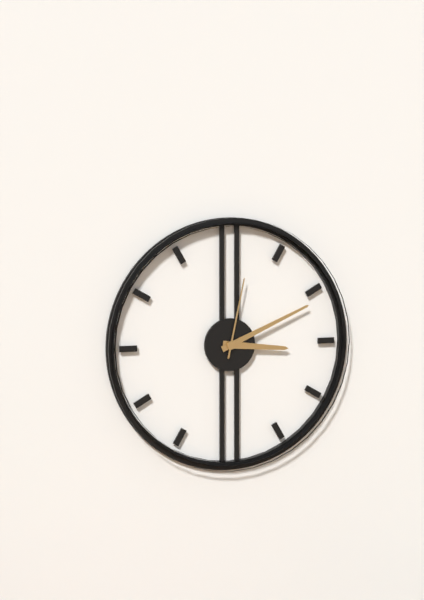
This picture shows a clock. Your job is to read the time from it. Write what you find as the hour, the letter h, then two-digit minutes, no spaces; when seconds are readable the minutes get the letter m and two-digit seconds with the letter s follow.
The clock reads 3h11m02s
